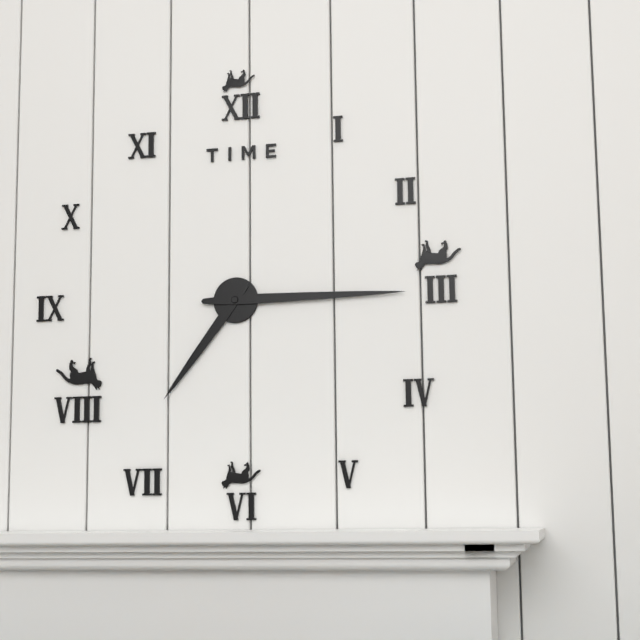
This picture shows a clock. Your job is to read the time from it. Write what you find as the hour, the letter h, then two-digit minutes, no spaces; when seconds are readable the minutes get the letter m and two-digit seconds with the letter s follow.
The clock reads 7h15
